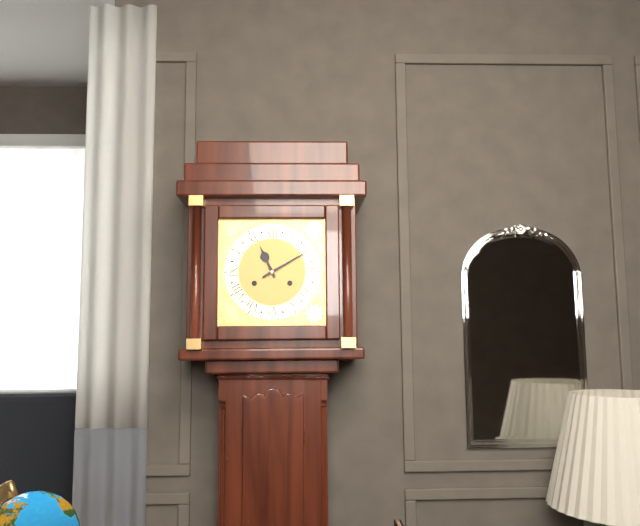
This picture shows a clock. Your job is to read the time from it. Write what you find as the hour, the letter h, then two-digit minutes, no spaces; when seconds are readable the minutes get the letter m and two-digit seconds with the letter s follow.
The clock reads 11h10
